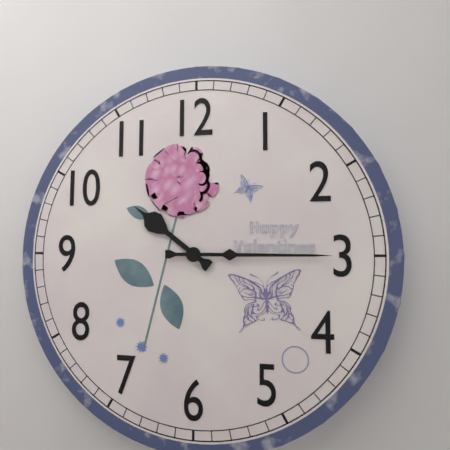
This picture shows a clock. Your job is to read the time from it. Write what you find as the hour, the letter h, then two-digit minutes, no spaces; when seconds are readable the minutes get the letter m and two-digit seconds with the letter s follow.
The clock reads 10h15
